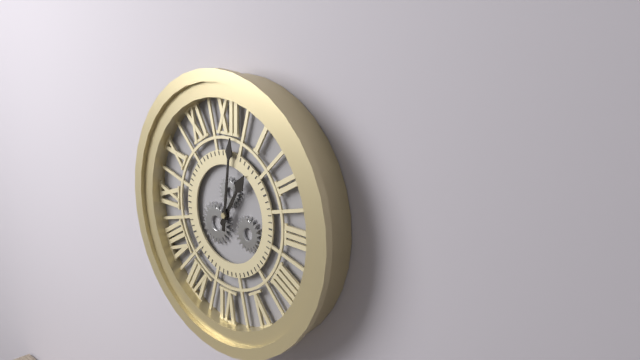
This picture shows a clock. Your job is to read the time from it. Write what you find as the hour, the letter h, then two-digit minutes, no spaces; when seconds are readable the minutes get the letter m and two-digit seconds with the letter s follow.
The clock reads 1h01
